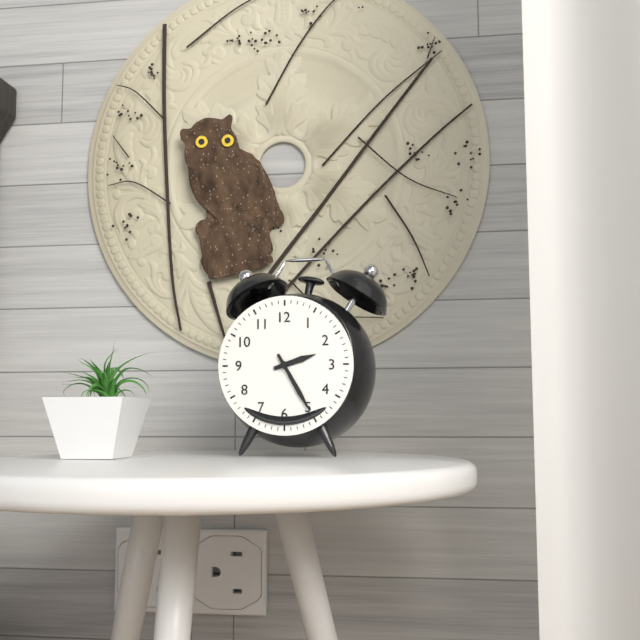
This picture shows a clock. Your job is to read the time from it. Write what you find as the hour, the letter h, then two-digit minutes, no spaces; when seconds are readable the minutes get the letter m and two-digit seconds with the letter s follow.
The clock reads 2h25
